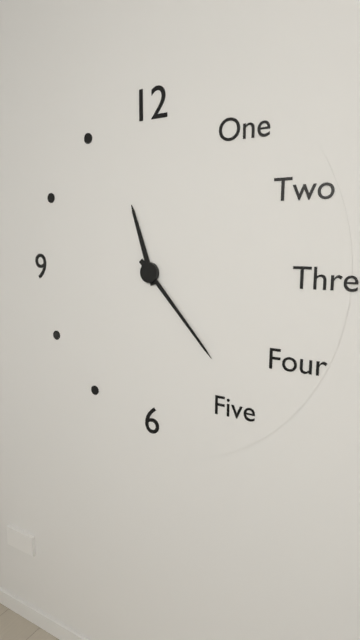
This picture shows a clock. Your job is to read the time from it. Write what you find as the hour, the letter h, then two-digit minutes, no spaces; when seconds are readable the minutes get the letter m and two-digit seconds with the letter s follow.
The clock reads 11h23
